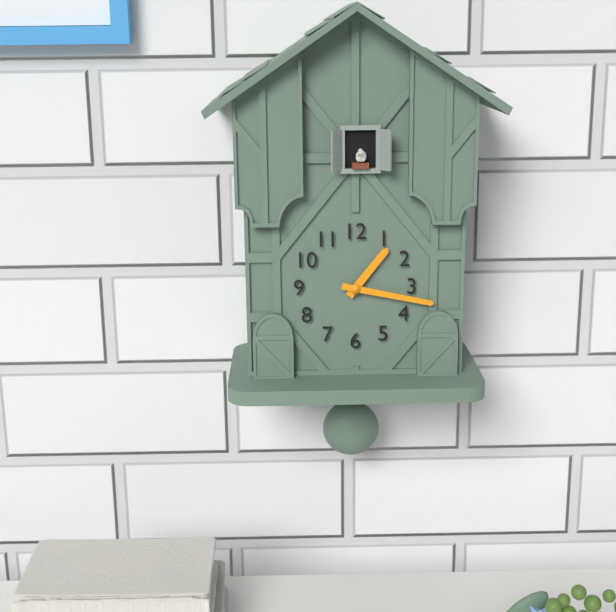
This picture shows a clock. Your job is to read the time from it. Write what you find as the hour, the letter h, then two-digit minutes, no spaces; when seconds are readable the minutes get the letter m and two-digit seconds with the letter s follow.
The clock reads 1h17
